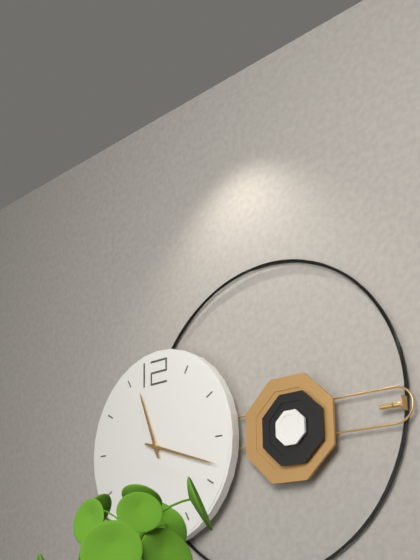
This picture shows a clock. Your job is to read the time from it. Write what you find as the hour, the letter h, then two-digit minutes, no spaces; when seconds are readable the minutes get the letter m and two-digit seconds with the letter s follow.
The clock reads 11h18
